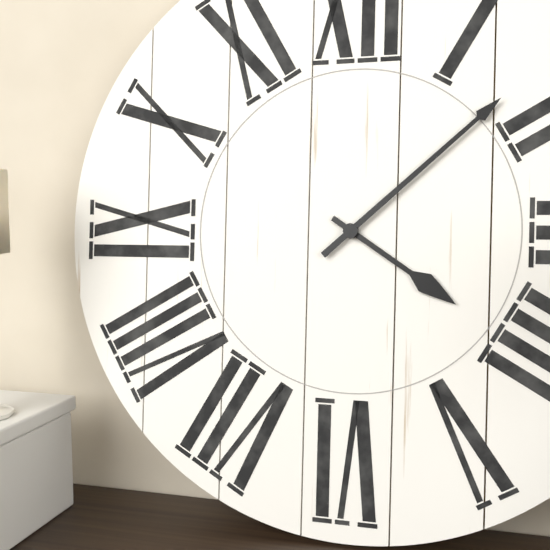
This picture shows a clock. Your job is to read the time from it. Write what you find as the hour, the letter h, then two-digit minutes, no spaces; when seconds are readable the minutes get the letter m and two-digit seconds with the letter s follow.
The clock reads 4h08
